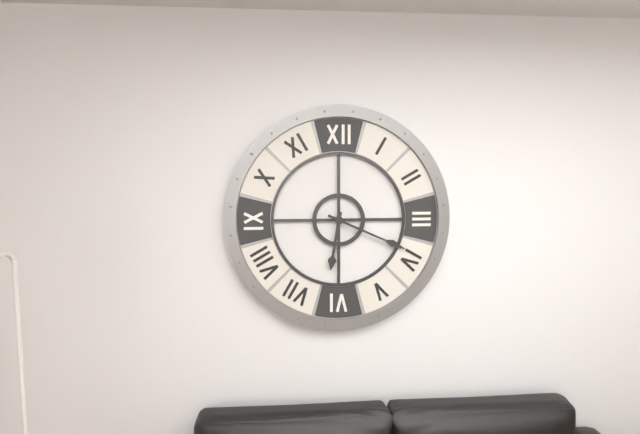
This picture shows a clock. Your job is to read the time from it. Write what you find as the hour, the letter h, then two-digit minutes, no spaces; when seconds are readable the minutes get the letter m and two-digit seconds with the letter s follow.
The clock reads 6h19
